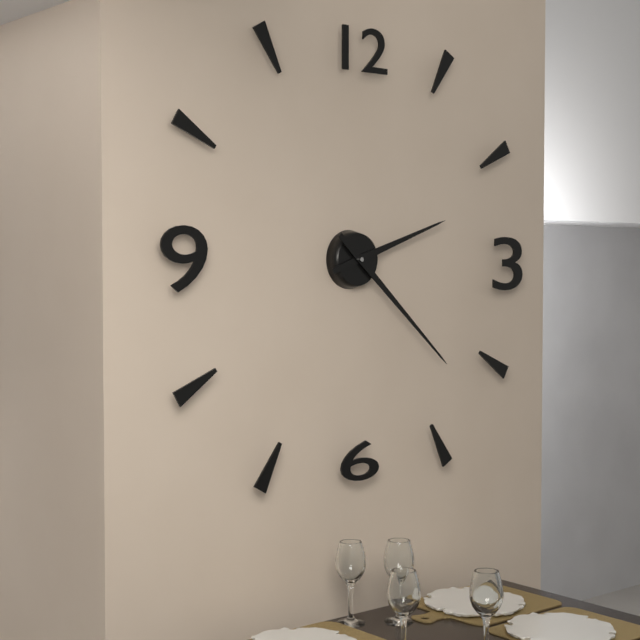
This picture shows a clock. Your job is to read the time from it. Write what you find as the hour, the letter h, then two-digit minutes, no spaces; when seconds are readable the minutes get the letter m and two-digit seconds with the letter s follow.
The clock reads 2h22
